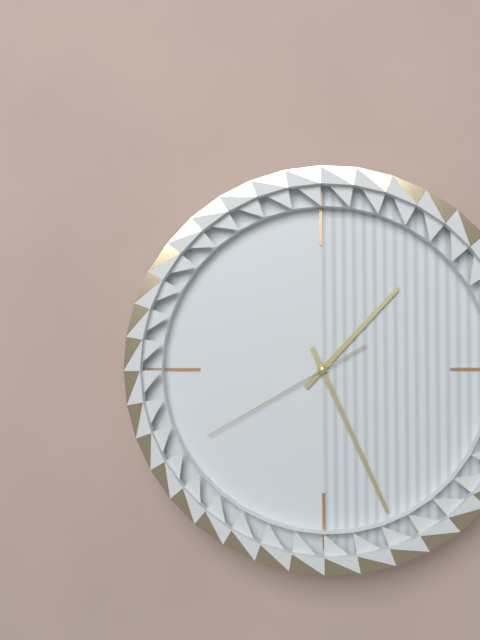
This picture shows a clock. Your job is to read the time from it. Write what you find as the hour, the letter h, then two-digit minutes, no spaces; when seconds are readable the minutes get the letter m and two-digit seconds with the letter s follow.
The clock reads 1h26m40s
